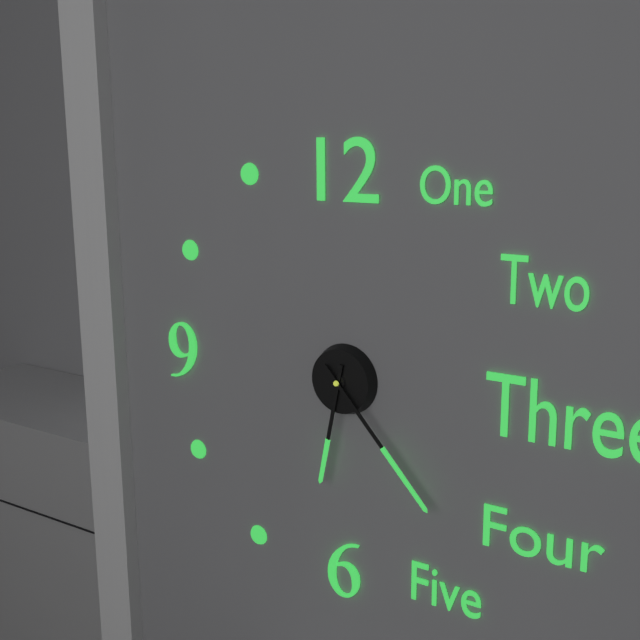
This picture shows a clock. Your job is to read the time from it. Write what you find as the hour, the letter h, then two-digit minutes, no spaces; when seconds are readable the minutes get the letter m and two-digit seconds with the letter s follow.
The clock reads 6h23
